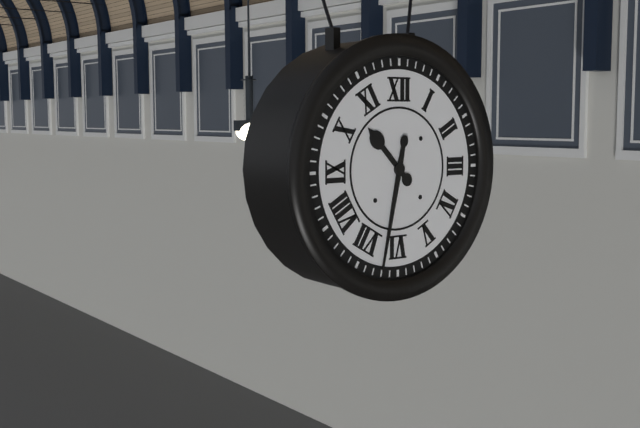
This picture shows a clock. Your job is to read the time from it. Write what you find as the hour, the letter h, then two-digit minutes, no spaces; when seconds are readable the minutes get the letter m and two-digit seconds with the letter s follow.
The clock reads 10h32
